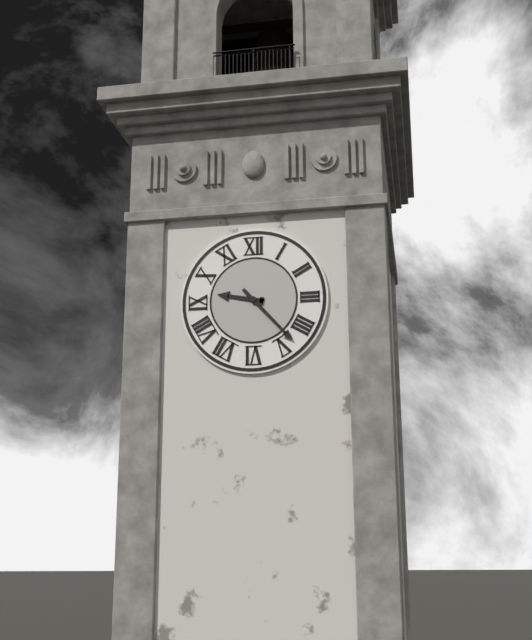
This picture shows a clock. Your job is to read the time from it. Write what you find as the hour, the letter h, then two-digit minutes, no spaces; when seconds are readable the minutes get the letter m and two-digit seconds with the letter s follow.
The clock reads 9h23
